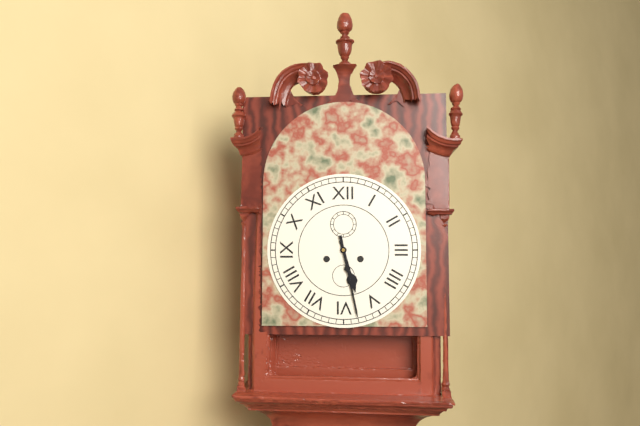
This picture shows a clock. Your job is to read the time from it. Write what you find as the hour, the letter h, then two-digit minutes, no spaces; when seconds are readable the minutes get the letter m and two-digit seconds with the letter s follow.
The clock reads 5h28
